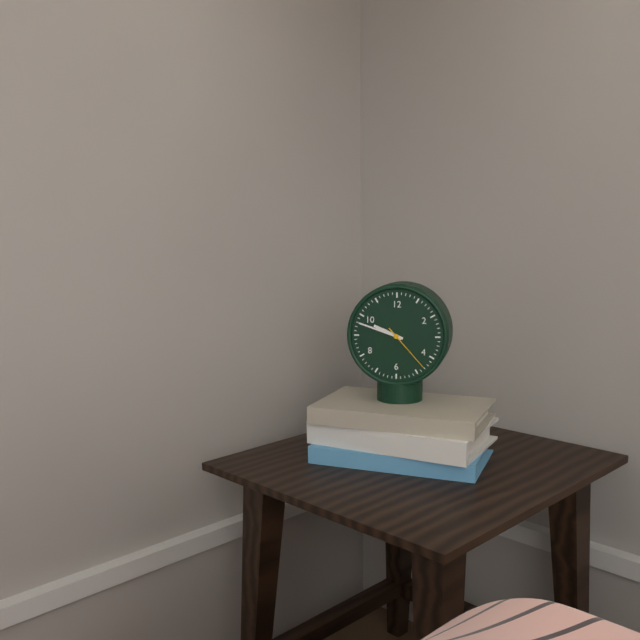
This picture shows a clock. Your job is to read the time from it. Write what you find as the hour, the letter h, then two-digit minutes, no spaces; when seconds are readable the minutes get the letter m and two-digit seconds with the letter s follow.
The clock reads 9h48m23s
